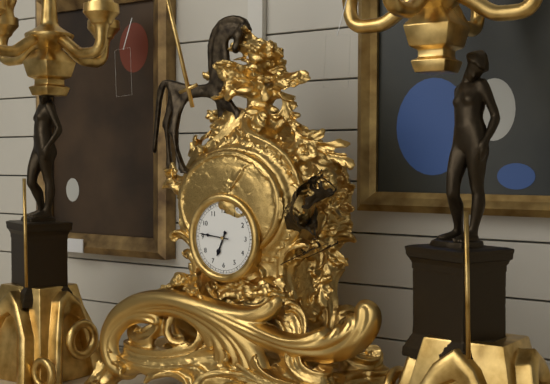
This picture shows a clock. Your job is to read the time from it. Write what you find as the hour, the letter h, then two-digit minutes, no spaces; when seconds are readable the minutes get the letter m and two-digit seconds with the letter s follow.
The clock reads 6h46
